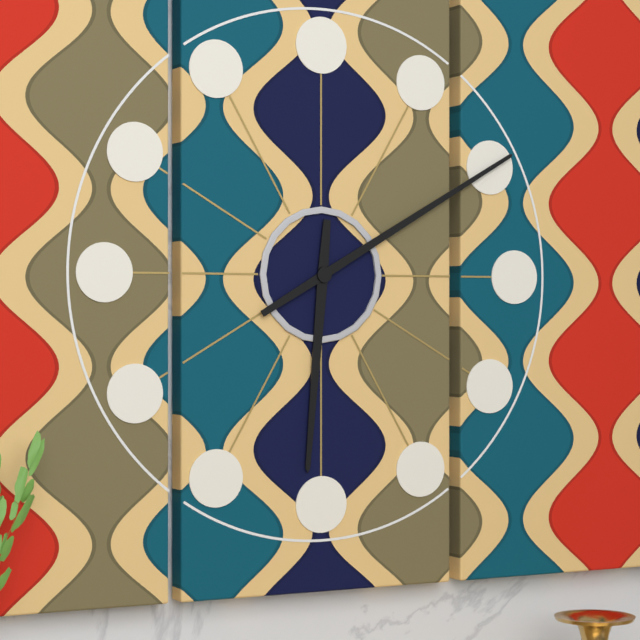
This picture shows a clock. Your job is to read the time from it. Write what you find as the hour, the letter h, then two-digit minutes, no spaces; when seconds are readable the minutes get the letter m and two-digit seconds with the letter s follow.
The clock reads 6h10
